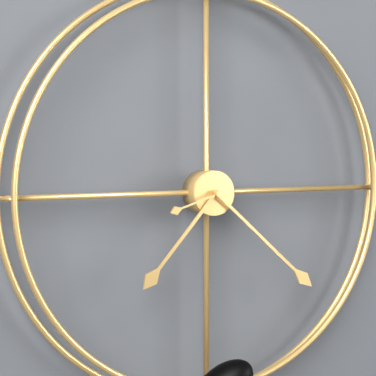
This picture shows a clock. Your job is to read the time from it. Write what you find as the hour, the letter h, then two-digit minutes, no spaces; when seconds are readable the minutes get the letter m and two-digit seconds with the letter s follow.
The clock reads 7h22m42s
